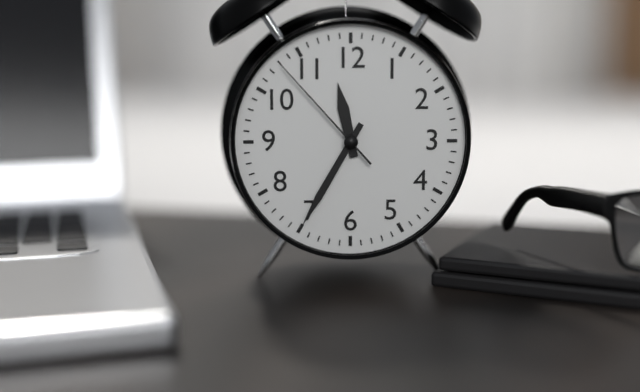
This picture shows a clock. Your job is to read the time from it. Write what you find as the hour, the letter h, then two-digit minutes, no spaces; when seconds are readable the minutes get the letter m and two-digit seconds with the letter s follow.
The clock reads 11h35m53s
